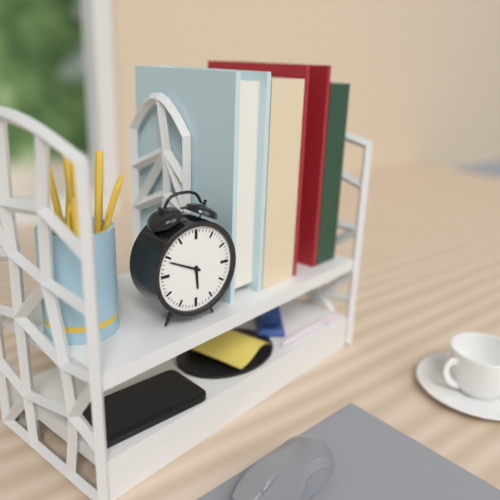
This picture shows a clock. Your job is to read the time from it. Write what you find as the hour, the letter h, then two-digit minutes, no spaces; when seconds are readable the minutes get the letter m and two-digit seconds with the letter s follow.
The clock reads 5h49
